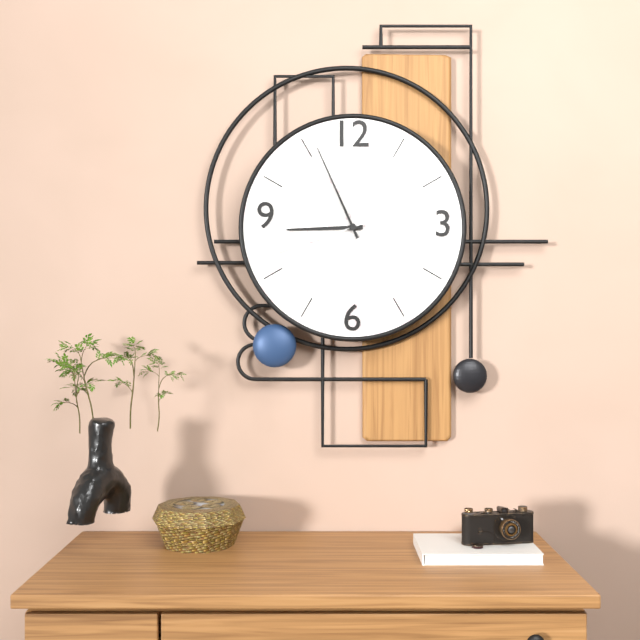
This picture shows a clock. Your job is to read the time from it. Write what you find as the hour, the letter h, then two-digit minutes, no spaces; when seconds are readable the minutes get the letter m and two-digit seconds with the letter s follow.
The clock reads 8h56m42s
